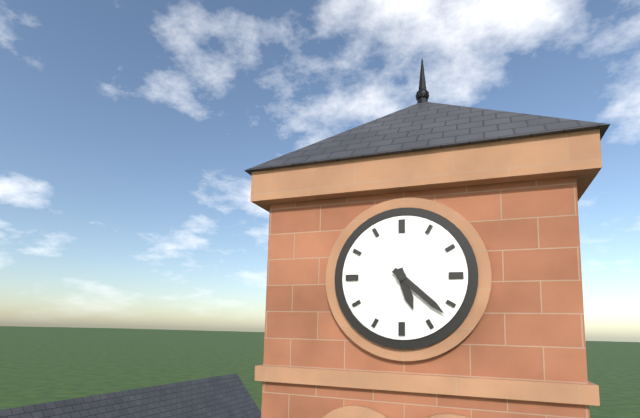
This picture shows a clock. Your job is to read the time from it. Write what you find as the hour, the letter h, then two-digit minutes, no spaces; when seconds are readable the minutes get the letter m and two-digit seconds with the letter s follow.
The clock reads 5h22
